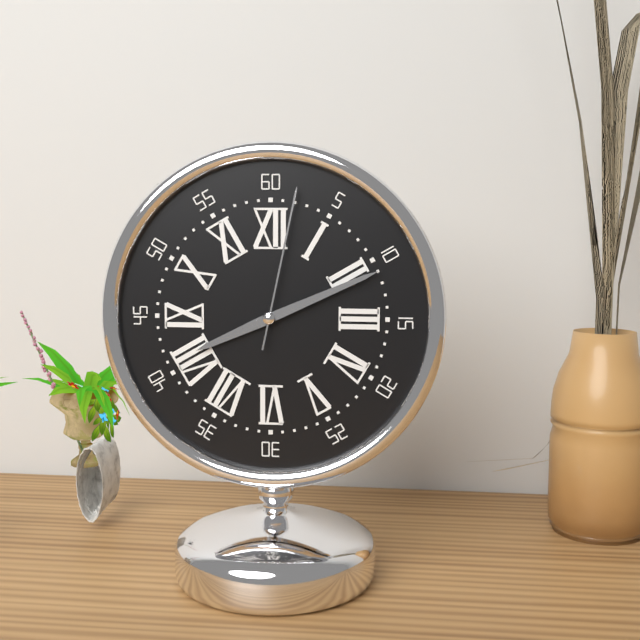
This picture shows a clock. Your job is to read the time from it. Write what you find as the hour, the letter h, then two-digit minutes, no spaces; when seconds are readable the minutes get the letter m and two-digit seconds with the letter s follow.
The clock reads 8h11m02s
